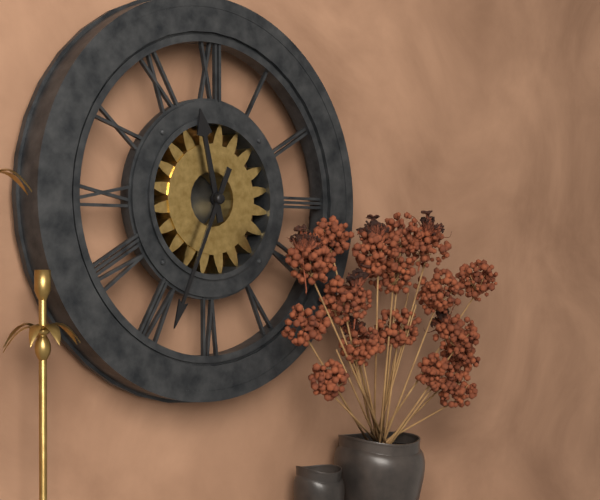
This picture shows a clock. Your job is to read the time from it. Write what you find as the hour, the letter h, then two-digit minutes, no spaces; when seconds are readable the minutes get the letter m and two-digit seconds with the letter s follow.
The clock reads 11h34
